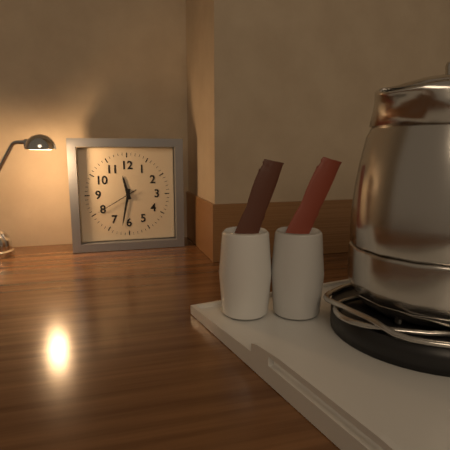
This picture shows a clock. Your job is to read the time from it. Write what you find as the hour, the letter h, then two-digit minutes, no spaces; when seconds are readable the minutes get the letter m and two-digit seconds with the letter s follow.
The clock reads 11h32
